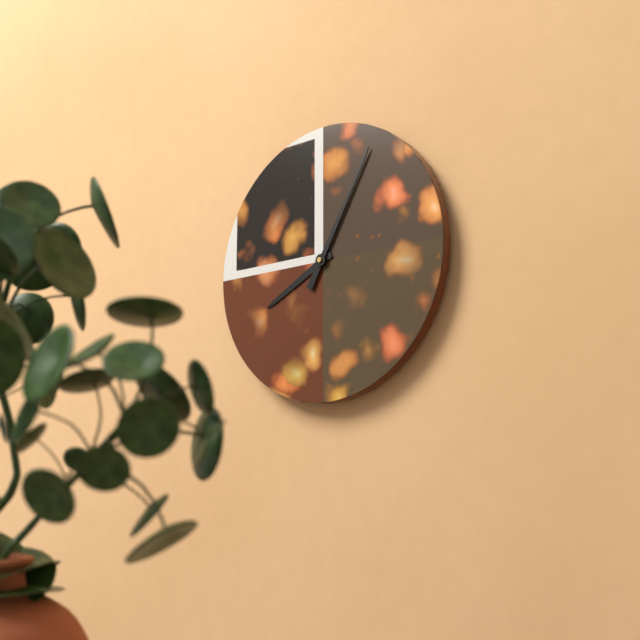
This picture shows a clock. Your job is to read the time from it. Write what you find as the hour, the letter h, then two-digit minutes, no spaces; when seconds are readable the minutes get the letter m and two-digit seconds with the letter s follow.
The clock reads 8h05
